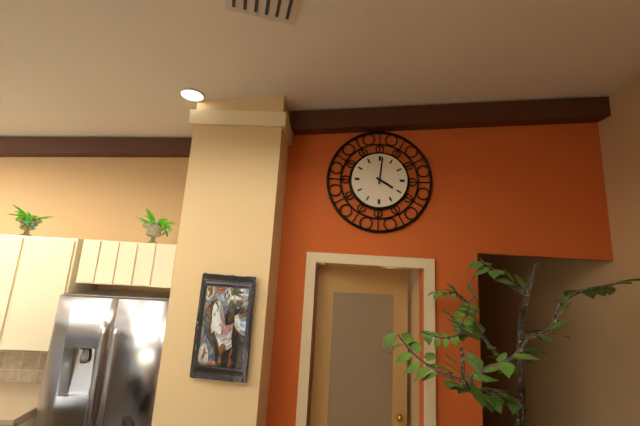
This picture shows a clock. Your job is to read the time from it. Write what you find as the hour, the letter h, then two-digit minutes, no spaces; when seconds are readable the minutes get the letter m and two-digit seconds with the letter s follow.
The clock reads 4h01
